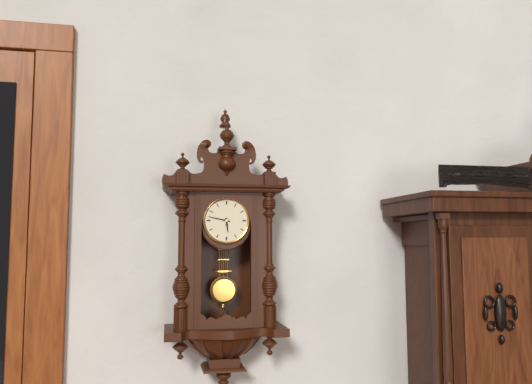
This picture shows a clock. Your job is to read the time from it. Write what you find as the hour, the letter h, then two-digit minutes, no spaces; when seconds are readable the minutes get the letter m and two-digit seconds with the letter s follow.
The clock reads 5h47
